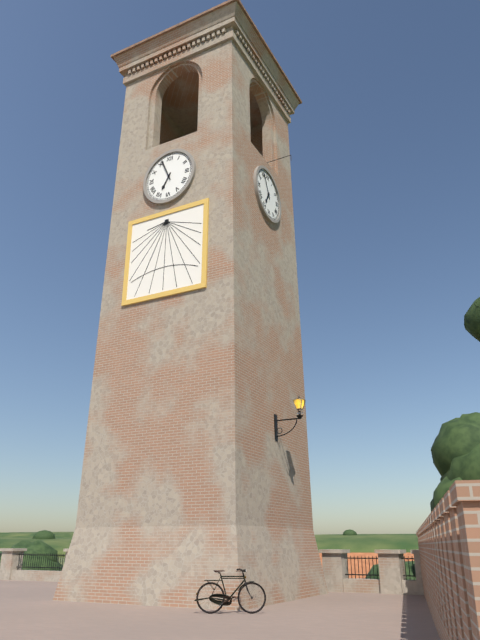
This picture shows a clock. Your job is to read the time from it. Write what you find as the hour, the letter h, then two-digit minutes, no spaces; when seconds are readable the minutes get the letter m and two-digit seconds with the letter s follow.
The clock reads 6h56
